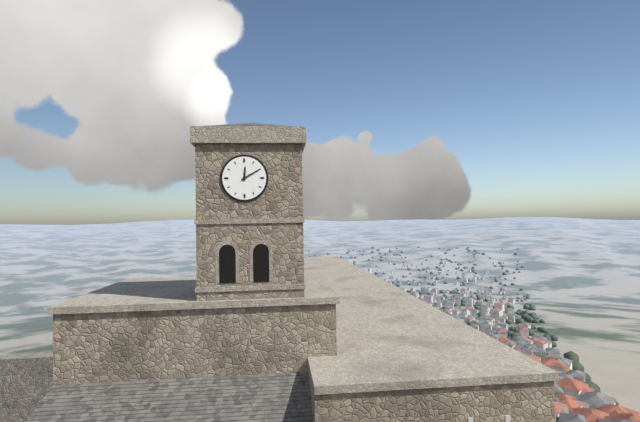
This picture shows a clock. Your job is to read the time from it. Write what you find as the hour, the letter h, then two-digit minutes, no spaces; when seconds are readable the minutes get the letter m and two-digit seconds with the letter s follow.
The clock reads 12h10
